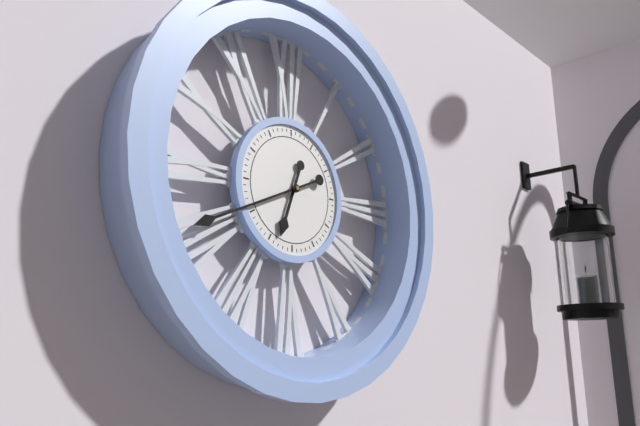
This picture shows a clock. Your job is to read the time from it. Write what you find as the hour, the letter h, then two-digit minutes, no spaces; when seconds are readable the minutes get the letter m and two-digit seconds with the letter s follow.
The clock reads 6h41
